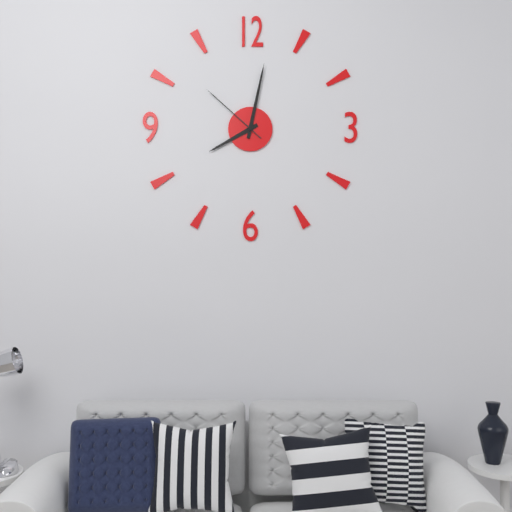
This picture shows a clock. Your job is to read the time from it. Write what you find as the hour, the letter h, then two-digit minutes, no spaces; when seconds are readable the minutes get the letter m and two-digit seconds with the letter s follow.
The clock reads 8h02m52s
